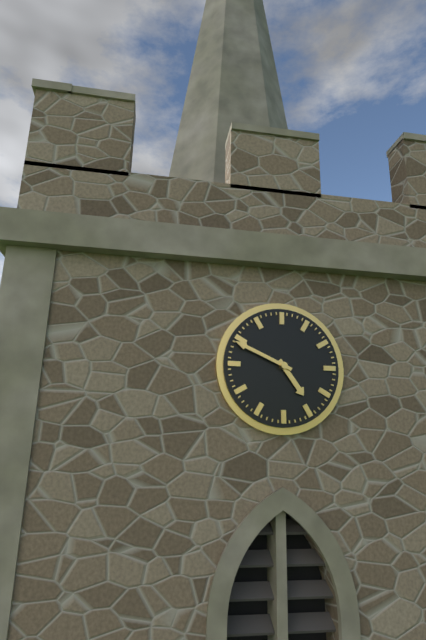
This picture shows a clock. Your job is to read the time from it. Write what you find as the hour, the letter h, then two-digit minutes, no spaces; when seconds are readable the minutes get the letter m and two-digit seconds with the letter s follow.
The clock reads 4h49
